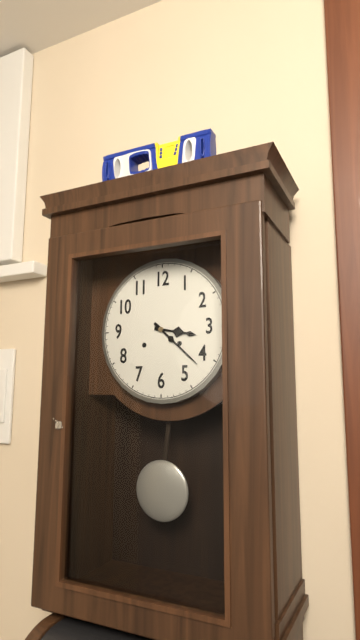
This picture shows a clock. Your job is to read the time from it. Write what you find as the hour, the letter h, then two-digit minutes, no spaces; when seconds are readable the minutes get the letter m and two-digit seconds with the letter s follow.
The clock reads 3h22
